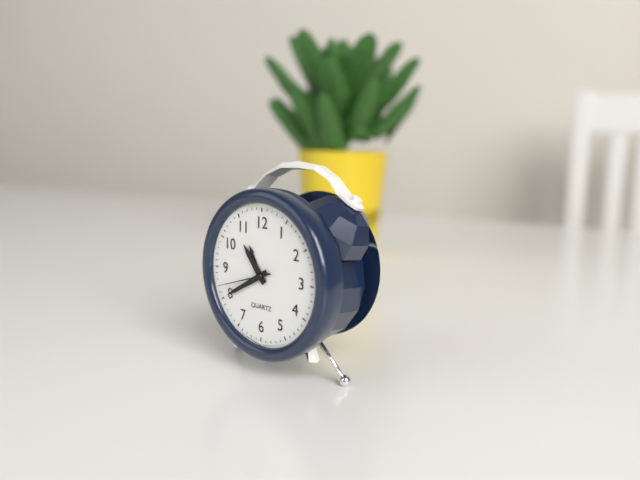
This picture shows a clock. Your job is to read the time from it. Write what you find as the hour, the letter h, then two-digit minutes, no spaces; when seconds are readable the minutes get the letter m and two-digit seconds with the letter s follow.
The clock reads 10h40
